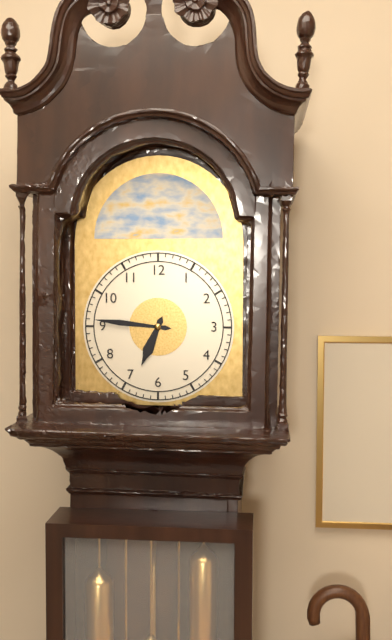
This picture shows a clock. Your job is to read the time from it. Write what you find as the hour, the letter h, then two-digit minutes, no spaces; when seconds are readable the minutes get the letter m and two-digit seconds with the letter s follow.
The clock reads 6h46
